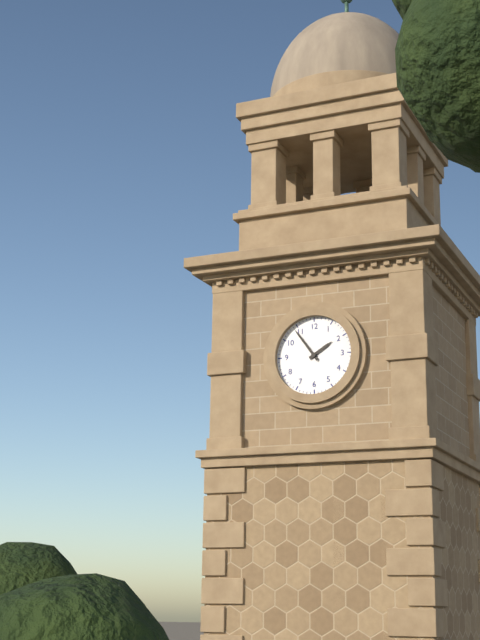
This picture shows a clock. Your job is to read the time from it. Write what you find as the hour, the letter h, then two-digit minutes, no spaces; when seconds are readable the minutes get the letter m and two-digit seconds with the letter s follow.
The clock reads 1h54
